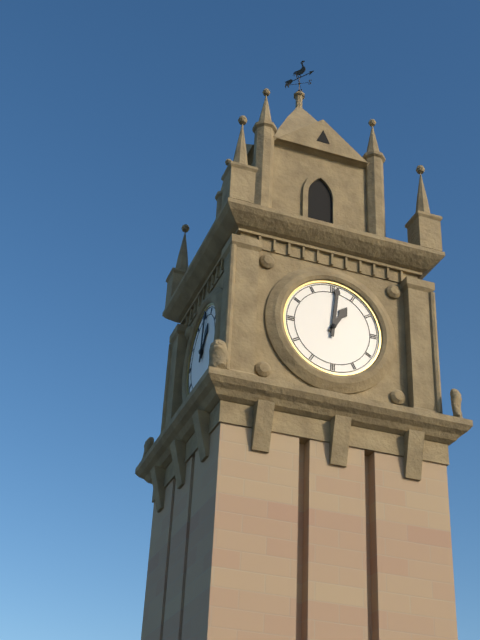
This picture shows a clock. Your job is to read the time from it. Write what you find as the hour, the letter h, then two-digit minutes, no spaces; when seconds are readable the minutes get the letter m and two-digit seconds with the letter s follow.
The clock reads 1h01
